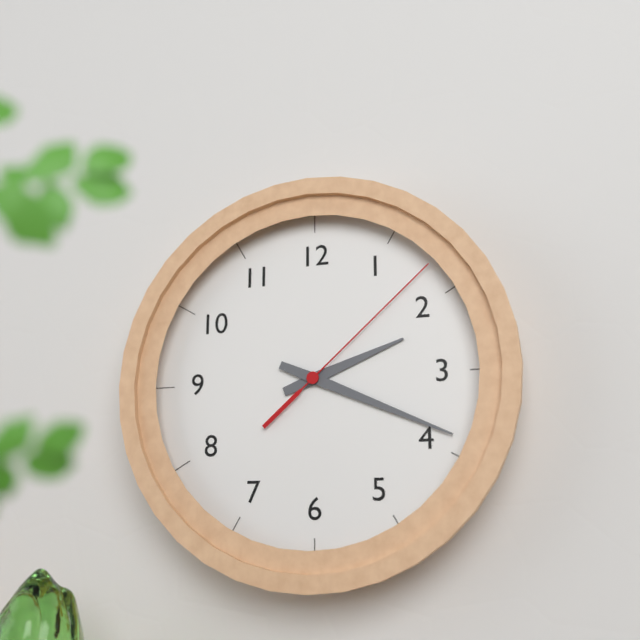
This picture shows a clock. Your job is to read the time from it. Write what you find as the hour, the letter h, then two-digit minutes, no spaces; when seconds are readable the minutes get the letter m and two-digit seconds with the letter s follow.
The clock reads 2h19m08s
